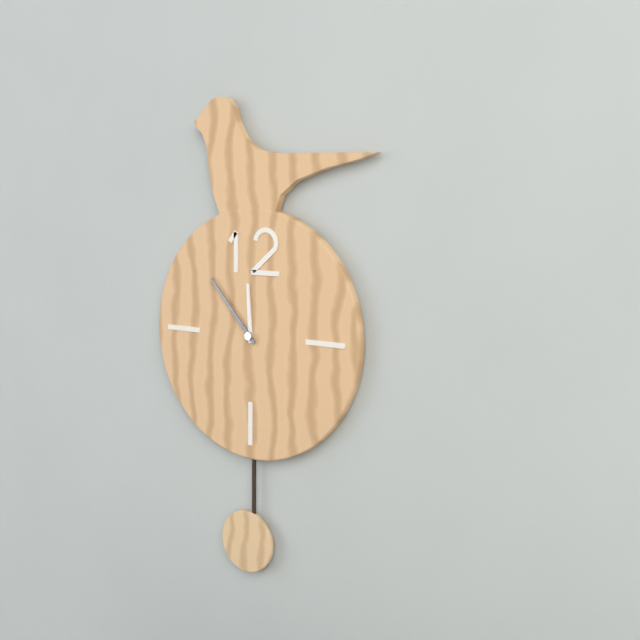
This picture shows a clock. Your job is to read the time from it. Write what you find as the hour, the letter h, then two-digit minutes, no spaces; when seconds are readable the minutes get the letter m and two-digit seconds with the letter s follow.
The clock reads 11h53
